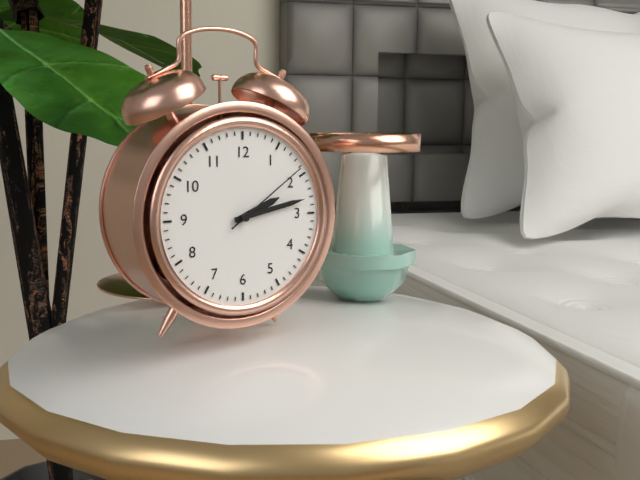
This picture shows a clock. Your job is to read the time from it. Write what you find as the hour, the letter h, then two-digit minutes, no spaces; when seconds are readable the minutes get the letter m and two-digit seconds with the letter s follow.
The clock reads 2h13m09s
